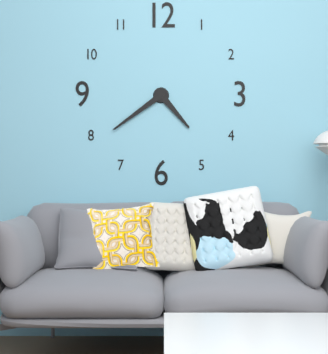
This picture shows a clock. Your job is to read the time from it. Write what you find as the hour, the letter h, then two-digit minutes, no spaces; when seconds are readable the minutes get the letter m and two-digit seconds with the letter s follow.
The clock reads 4h39
